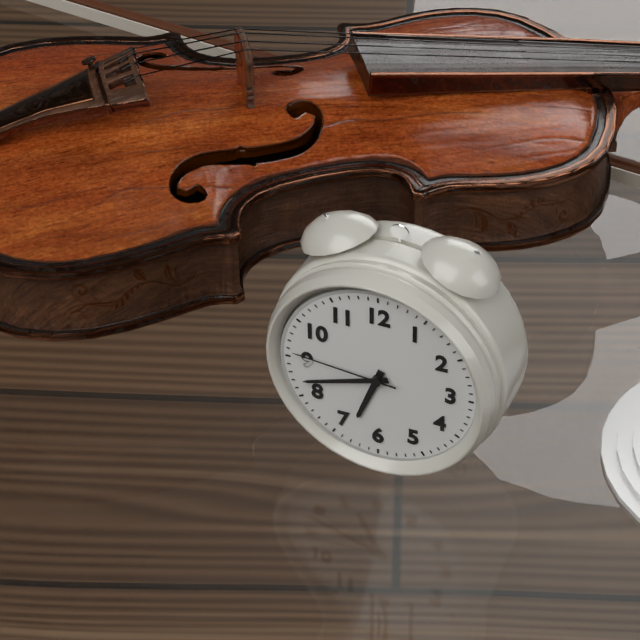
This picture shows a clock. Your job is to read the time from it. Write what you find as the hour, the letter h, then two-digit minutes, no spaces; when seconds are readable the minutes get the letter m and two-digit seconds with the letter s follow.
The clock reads 6h42m46s
